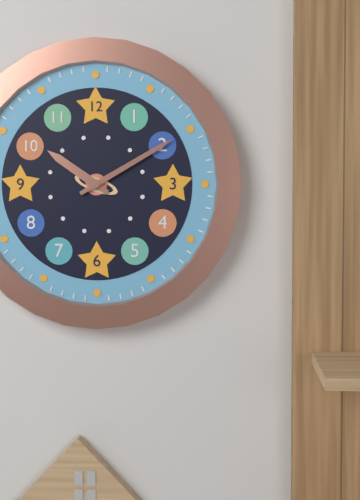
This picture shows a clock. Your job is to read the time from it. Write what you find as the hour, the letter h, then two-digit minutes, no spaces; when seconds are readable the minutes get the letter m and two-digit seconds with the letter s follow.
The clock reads 10h10
